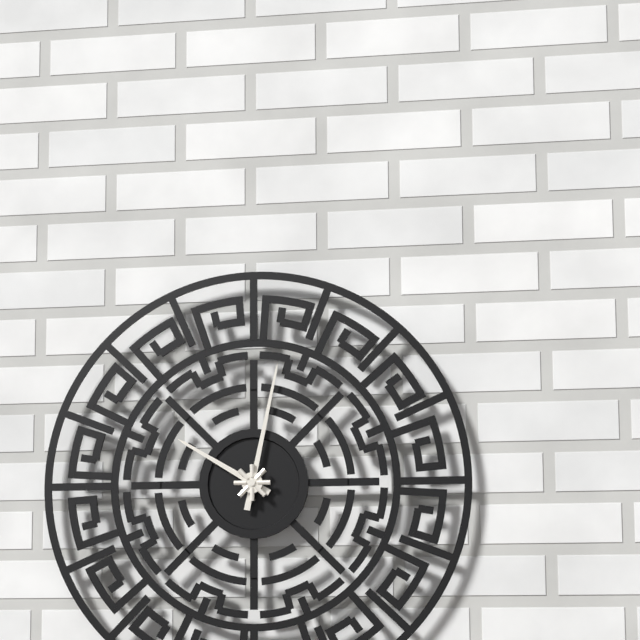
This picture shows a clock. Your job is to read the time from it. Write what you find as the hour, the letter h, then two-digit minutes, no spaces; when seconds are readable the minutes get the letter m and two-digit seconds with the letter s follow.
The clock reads 10h02
